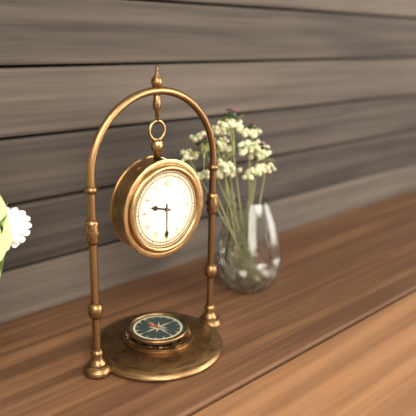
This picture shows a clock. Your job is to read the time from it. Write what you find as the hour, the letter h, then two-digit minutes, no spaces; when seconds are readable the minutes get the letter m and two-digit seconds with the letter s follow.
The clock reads 9h30
